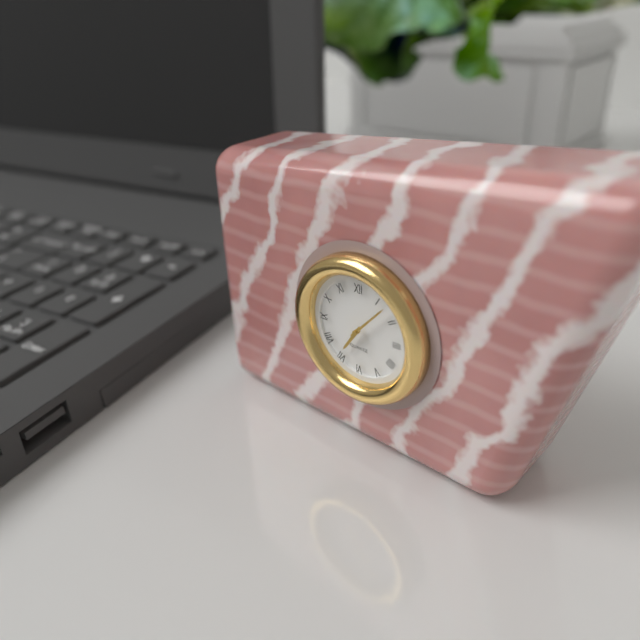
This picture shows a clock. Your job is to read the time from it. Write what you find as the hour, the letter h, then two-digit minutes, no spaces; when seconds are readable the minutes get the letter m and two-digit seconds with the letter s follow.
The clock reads 7h07
